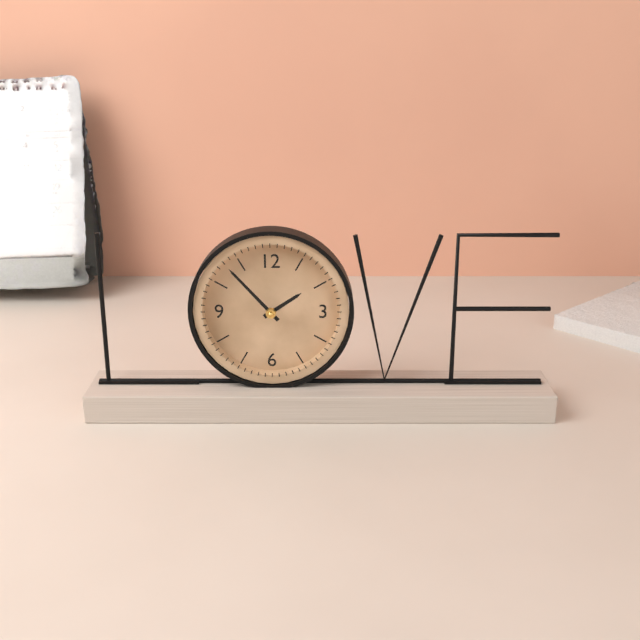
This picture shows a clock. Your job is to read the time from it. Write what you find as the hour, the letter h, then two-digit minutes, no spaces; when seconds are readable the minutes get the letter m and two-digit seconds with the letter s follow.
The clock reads 1h53
